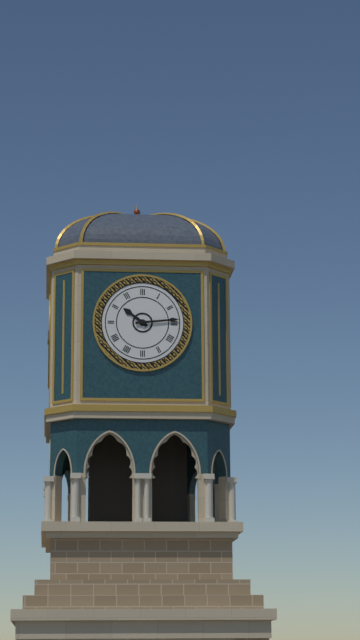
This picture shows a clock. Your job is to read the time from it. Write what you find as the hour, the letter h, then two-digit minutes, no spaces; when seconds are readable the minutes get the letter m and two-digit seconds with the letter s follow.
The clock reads 10h14
